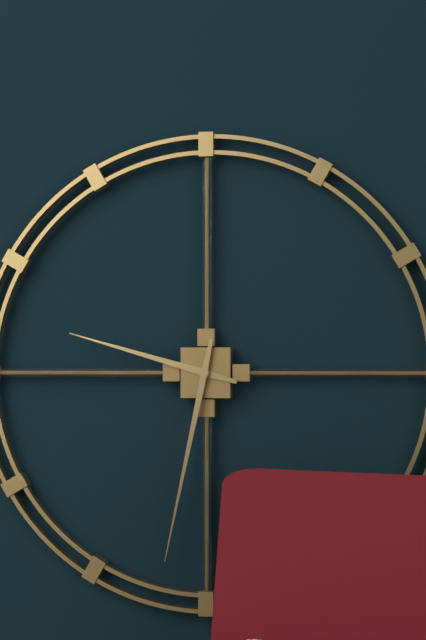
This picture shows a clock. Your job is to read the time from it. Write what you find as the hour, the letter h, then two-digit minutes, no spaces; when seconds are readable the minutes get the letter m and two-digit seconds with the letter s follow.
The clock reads 9h32
